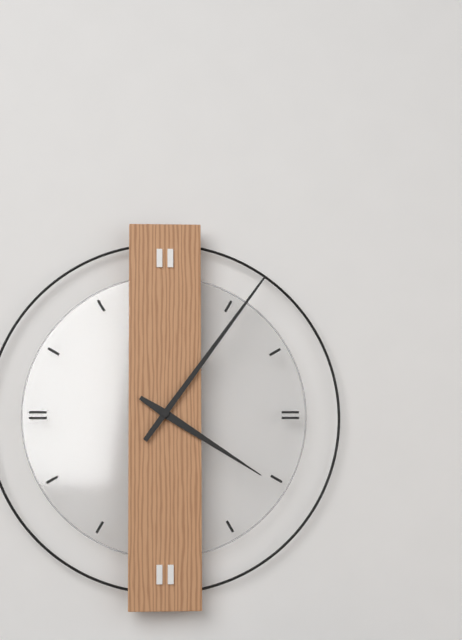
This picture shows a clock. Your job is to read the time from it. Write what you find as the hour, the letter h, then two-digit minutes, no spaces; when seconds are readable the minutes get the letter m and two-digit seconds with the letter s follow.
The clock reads 4h06
